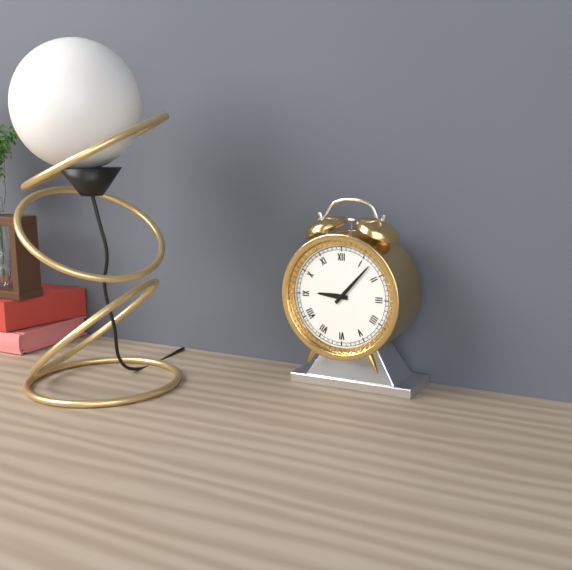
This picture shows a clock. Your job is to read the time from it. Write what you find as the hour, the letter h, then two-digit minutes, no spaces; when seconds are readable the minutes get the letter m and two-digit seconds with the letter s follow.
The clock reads 9h07
